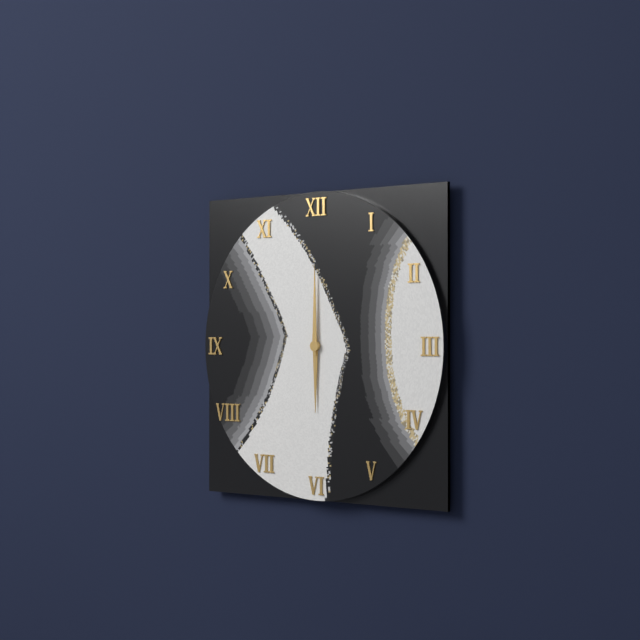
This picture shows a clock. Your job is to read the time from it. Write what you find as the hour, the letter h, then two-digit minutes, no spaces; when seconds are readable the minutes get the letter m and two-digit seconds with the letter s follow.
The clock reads 6h00
